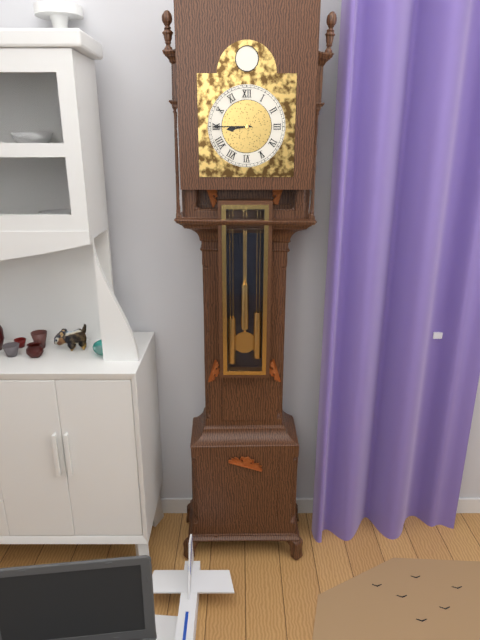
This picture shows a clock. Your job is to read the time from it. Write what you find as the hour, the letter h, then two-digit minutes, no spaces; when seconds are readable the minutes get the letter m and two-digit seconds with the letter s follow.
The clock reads 8h45
